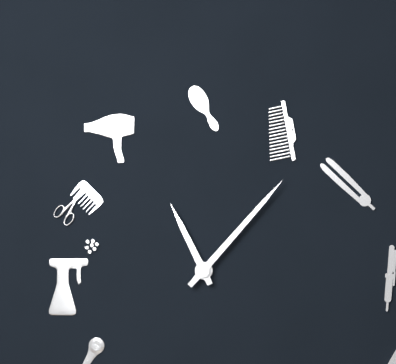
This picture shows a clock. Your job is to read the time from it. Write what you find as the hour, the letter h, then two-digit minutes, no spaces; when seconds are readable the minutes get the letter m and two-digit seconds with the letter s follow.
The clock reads 11h07
